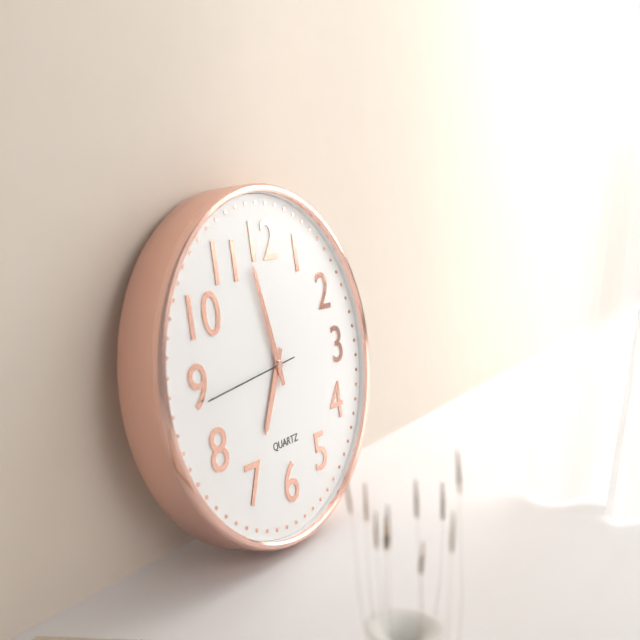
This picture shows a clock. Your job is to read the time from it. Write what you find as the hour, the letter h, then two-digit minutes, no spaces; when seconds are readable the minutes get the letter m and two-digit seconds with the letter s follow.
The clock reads 6h58m44s
